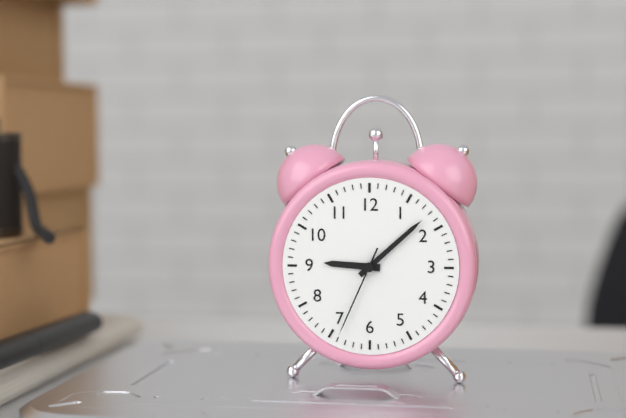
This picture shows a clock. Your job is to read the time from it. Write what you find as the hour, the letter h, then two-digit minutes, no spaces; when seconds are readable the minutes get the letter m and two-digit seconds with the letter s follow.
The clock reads 9h08m34s
